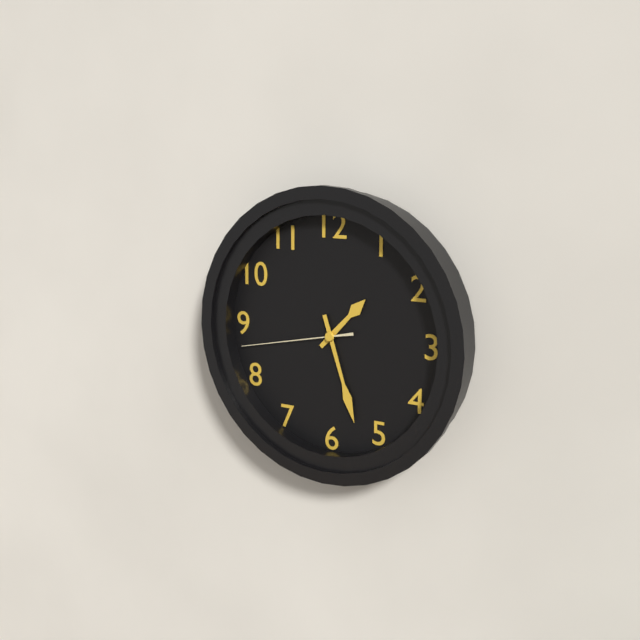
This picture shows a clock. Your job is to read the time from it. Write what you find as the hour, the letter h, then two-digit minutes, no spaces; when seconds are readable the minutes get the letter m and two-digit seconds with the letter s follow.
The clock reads 1h27m43s
